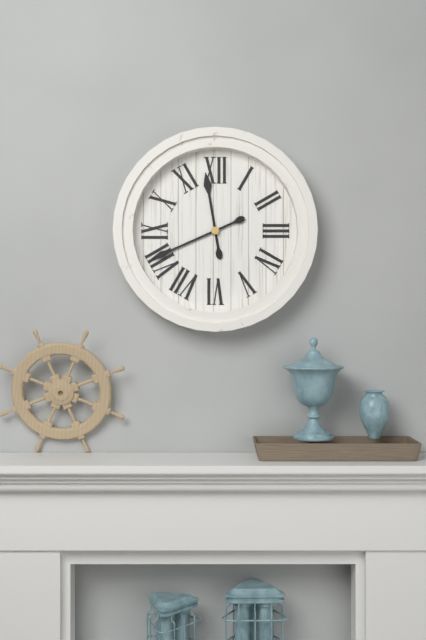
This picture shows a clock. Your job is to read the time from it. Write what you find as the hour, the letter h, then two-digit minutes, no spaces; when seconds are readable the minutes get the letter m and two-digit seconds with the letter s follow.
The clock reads 11h41
